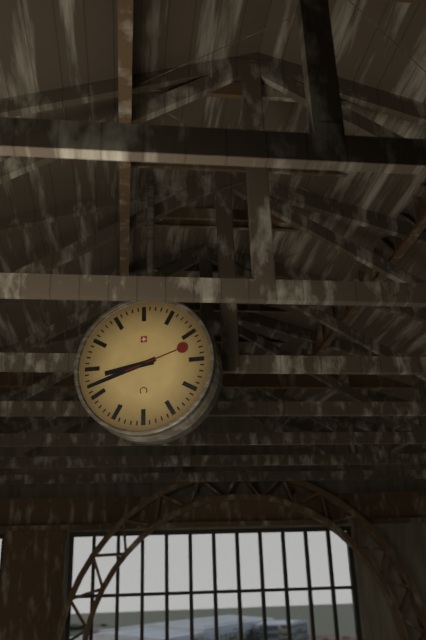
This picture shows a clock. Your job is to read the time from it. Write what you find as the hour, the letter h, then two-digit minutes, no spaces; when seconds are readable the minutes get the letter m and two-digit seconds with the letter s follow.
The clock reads 8h42m12s
